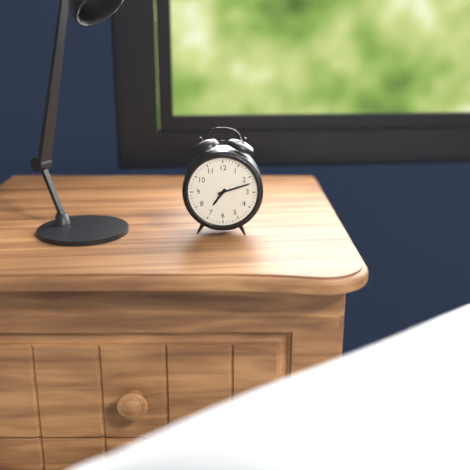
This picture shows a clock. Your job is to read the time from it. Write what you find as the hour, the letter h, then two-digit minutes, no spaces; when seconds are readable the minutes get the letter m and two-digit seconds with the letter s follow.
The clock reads 7h12
